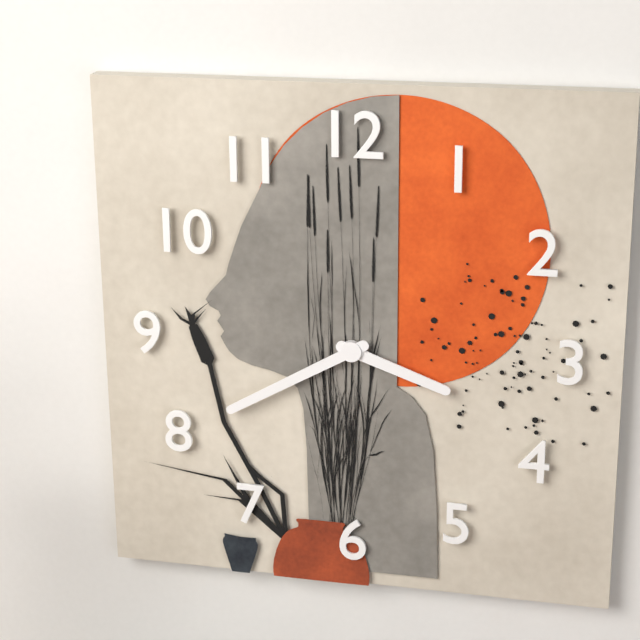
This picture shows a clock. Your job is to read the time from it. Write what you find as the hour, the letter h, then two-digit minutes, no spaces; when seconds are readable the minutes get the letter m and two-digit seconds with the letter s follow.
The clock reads 3h40
